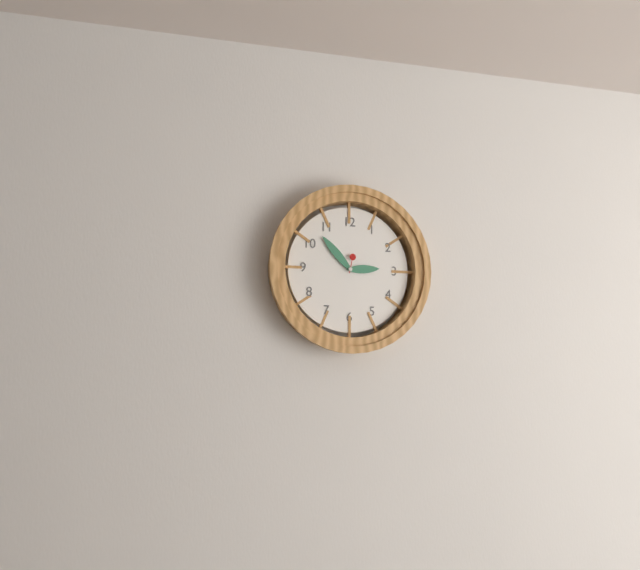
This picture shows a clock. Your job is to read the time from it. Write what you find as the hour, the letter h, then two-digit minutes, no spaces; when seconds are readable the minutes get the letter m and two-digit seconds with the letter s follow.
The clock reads 2h53
